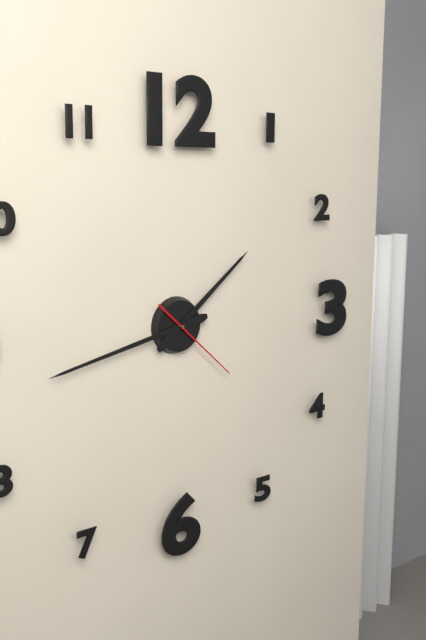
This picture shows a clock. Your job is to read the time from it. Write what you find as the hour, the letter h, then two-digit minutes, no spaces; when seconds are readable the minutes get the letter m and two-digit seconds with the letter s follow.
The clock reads 1h43m22s
